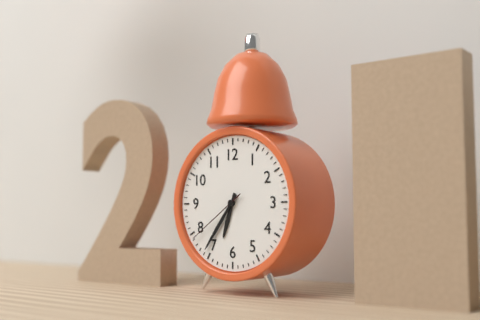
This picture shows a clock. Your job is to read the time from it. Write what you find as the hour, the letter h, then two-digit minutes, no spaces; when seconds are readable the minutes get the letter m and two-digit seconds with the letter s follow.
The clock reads 6h36m39s
